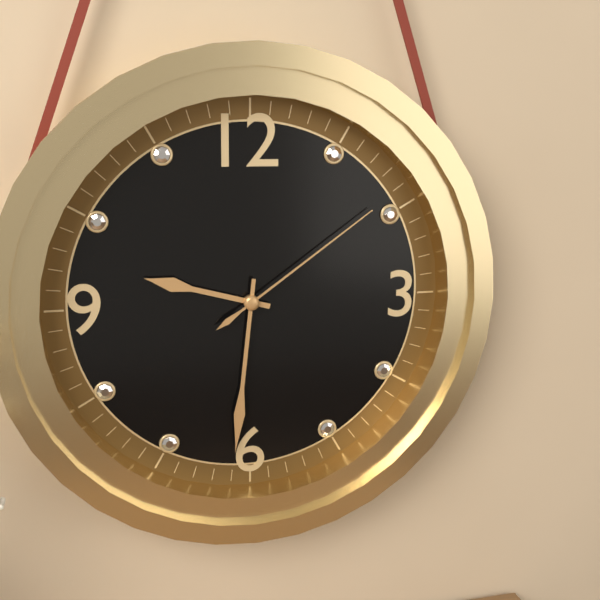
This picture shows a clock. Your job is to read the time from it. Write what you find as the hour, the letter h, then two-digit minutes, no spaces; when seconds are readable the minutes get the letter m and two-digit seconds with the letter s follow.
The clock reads 9h31m09s
